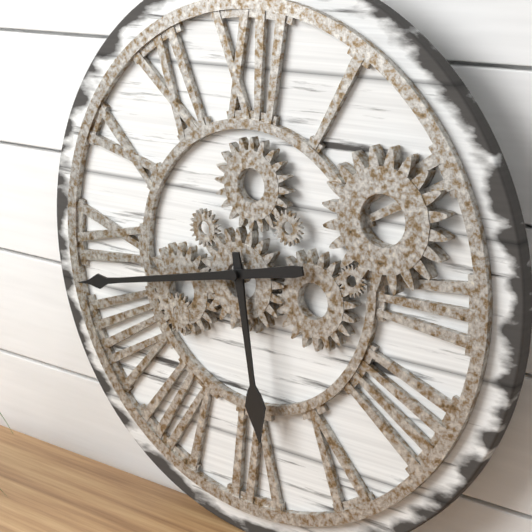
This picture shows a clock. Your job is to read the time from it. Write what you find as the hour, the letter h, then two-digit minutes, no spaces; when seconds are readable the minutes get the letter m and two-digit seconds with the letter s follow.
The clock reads 5h43
